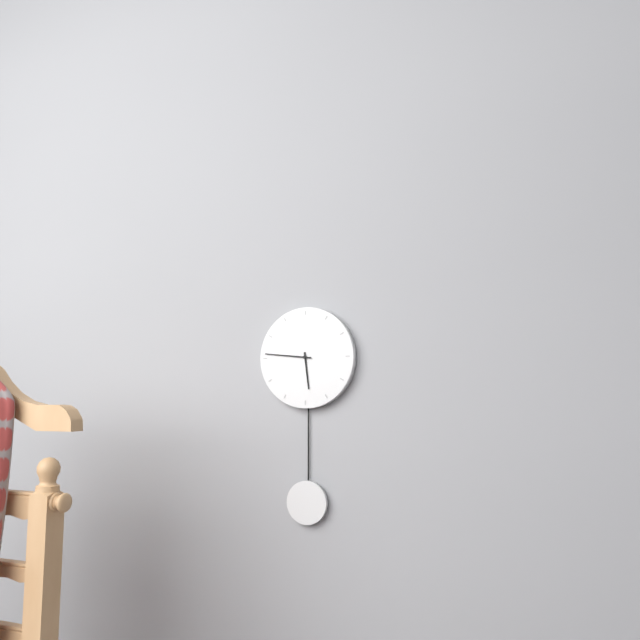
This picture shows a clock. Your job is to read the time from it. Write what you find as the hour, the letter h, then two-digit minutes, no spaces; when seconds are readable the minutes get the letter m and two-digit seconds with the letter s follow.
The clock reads 5h46
